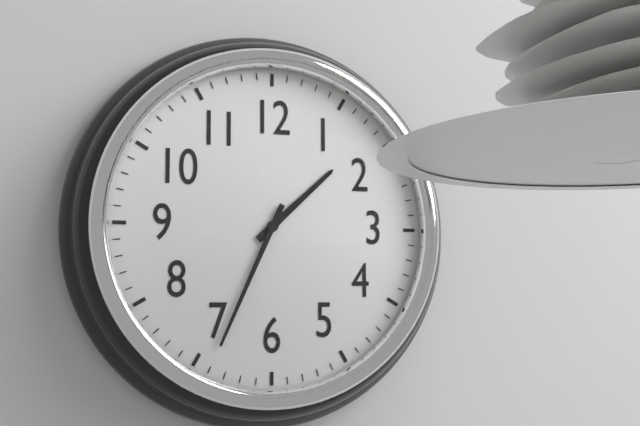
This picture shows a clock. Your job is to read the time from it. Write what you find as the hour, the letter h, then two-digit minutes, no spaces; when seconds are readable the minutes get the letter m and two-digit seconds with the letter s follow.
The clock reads 1h34
